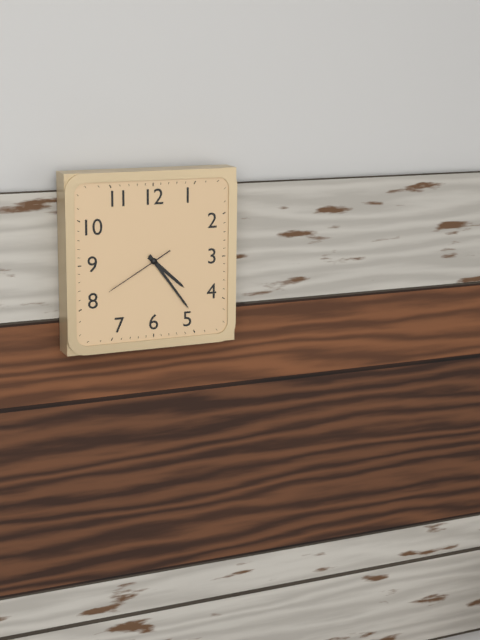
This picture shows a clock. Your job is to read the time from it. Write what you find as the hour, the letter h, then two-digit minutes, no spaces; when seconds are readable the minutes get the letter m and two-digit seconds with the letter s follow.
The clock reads 4h24m40s
